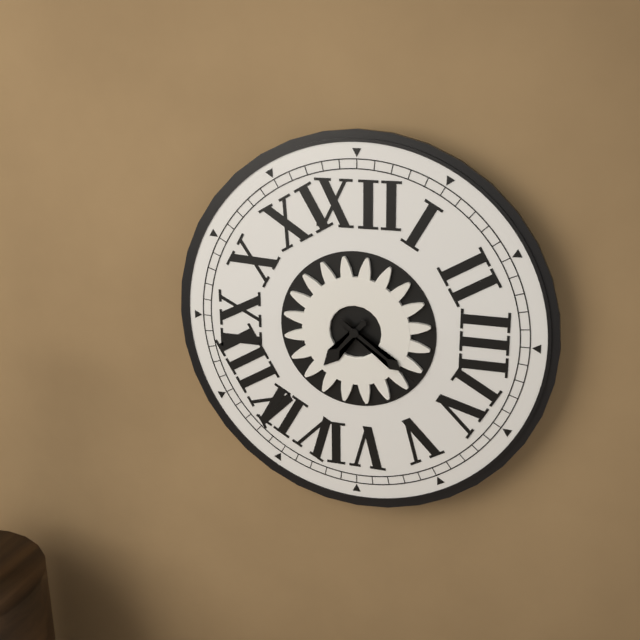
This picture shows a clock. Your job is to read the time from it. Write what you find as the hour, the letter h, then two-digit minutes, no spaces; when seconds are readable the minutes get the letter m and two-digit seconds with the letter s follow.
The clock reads 7h21
